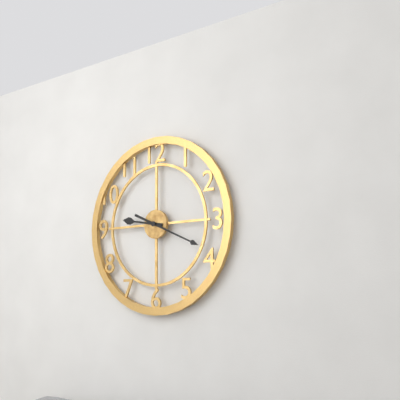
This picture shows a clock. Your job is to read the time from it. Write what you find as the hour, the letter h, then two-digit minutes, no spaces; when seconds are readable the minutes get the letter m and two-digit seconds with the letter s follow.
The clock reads 9h19
